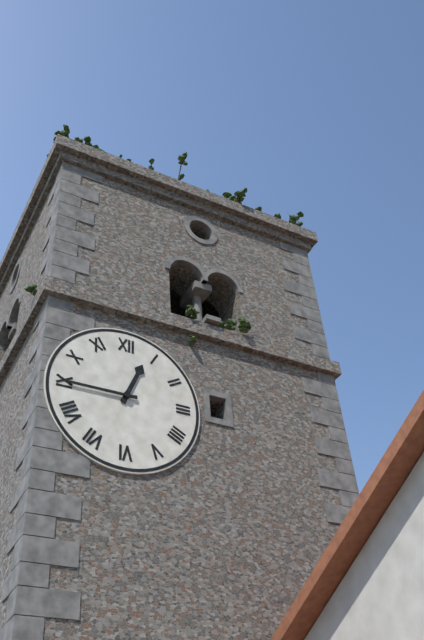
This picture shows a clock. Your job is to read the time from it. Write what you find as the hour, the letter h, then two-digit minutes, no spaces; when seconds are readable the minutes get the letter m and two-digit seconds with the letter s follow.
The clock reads 12h45
